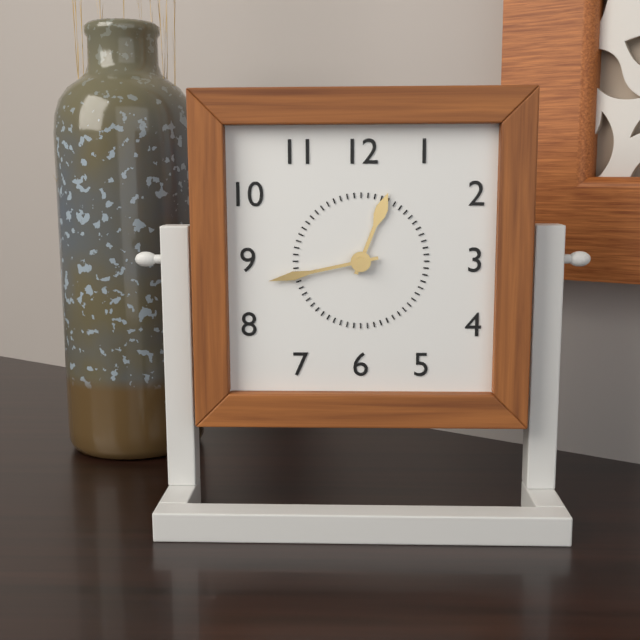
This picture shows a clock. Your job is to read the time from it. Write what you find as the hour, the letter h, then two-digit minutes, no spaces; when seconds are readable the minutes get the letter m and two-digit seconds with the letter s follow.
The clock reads 12h43
